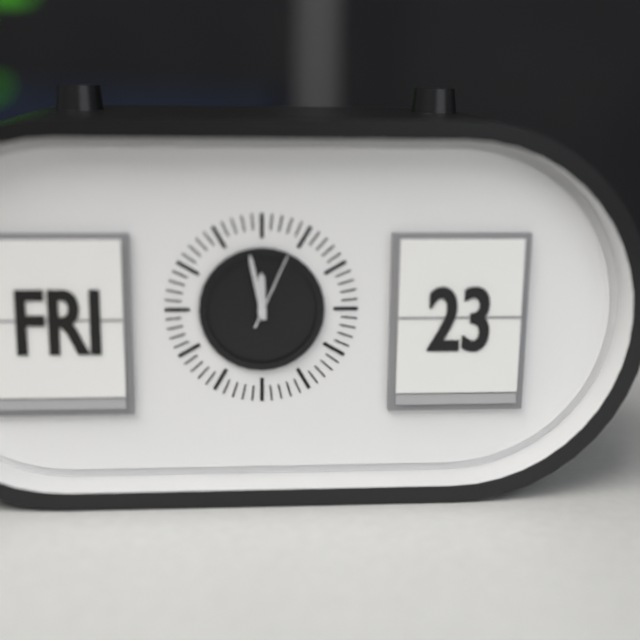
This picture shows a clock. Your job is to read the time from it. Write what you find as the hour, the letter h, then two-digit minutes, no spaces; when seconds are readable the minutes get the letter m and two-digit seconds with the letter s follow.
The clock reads 11h58m04s
